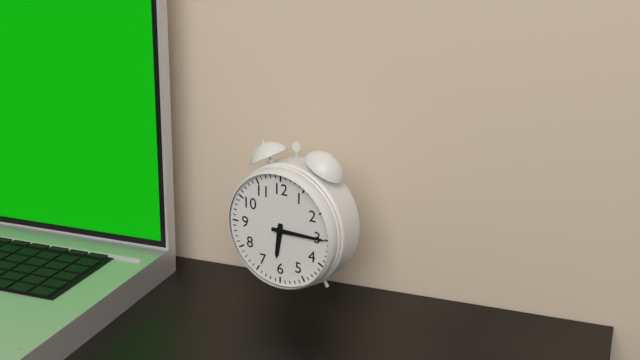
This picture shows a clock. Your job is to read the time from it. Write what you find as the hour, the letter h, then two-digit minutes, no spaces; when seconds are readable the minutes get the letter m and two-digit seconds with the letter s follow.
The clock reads 6h15
